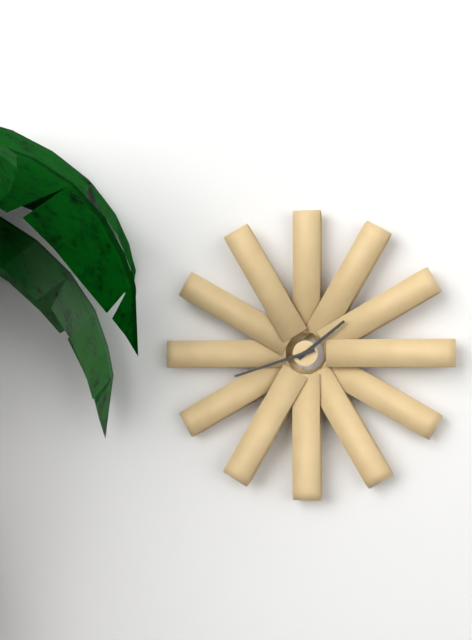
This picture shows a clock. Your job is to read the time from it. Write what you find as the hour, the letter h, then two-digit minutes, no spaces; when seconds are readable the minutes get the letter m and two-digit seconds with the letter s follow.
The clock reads 1h42
